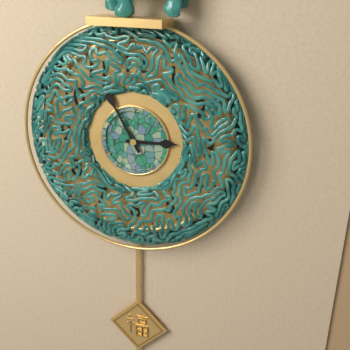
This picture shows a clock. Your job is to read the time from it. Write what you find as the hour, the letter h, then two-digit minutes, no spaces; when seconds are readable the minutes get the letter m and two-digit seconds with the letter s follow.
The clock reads 2h55
